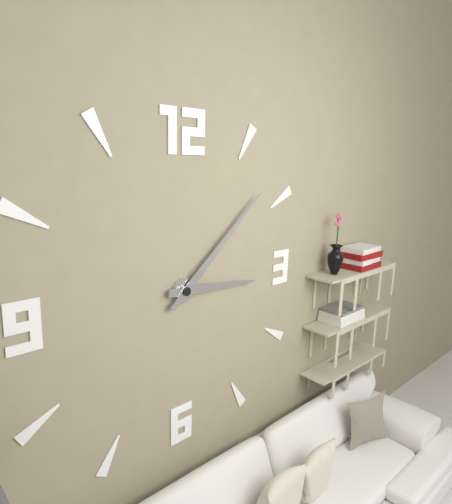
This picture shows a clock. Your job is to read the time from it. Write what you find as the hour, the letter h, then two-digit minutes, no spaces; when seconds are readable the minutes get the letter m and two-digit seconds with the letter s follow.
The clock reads 3h08
